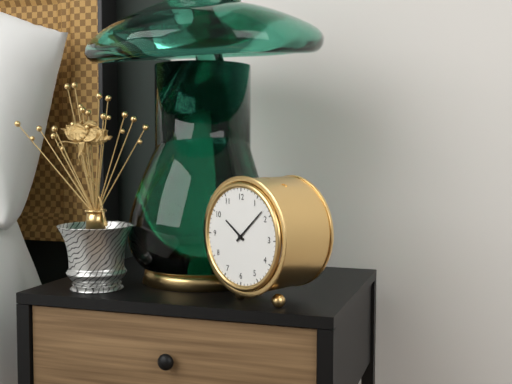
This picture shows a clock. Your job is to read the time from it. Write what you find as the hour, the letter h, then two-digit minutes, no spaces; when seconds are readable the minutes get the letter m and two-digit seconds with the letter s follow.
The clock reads 10h08
